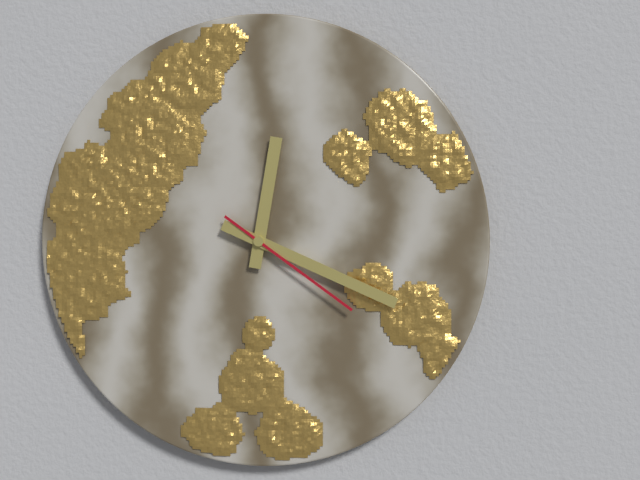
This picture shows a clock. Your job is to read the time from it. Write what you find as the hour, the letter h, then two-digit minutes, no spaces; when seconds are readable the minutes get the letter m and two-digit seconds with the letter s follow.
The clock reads 12h19m21s
